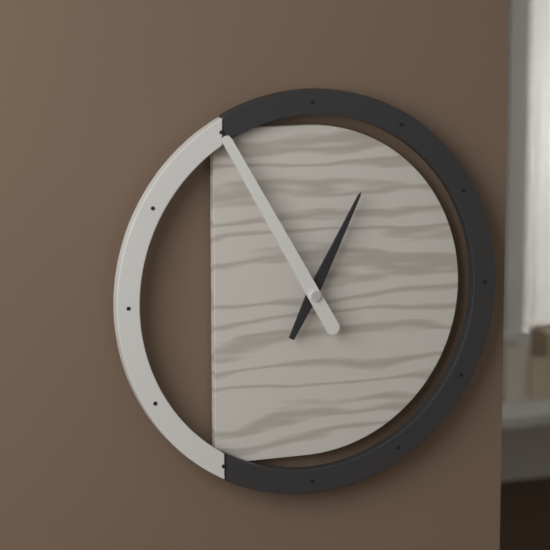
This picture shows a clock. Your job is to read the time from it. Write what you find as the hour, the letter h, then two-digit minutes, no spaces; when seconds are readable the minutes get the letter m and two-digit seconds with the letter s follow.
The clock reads 12h55
